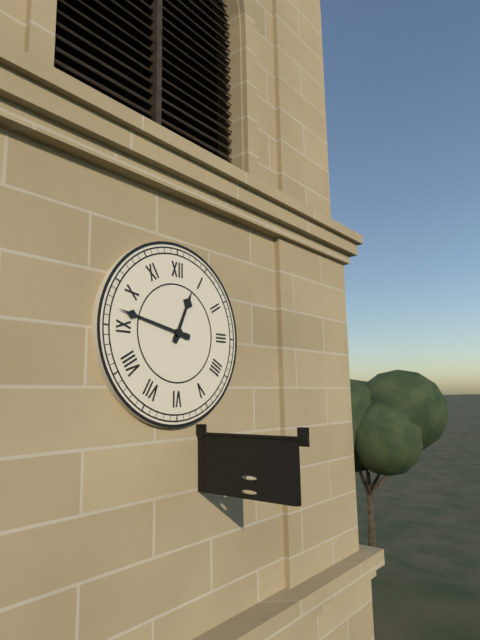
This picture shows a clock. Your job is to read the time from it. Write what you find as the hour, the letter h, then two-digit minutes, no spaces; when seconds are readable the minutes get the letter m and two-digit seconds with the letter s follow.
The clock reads 12h47
